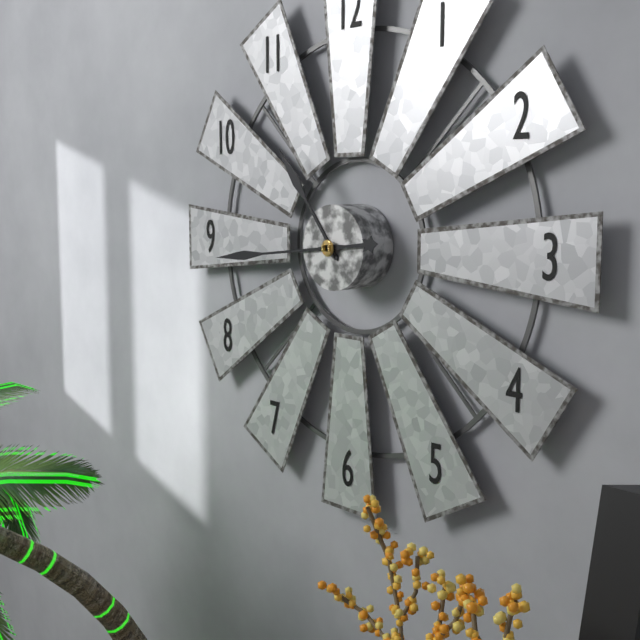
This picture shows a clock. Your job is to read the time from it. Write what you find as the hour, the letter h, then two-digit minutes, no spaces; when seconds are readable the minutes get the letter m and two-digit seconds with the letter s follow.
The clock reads 10h44
